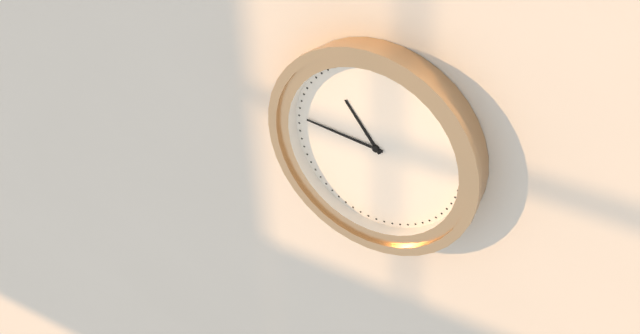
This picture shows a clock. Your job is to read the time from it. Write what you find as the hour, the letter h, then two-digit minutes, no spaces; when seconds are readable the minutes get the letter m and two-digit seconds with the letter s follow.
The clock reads 10h46
